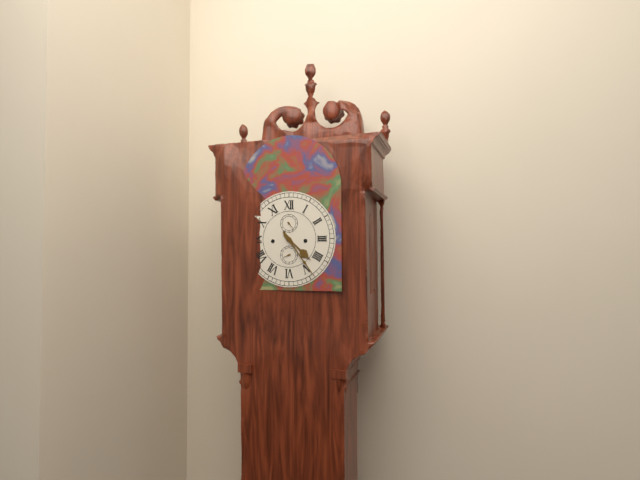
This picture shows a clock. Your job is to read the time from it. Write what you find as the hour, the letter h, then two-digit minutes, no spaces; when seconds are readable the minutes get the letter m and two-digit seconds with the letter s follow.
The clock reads 4h24
